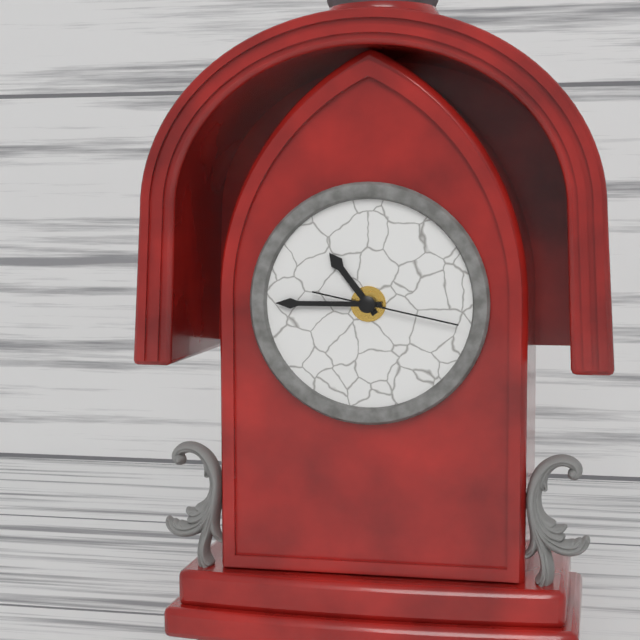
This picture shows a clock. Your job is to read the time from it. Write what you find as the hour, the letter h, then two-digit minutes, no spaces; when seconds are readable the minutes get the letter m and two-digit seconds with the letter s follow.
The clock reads 10h45m17s
